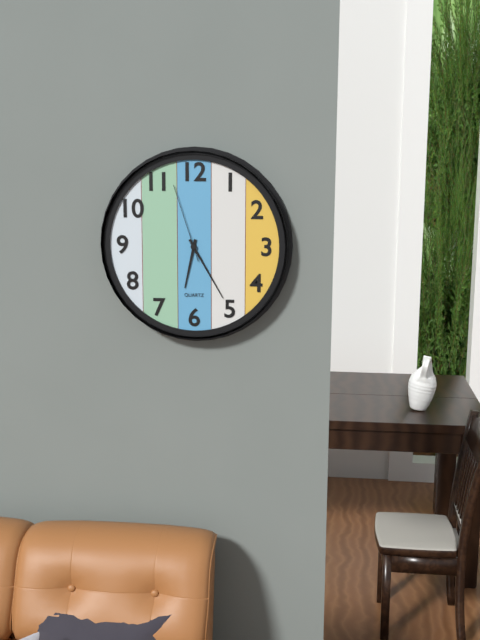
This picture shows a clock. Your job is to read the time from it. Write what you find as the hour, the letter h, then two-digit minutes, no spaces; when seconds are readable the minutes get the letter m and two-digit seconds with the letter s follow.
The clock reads 6h25m57s
